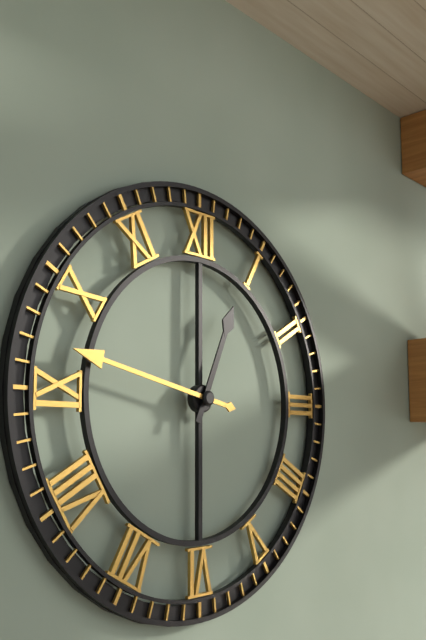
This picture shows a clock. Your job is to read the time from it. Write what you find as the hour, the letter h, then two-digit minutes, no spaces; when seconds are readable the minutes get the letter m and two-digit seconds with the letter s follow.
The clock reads 12h47
